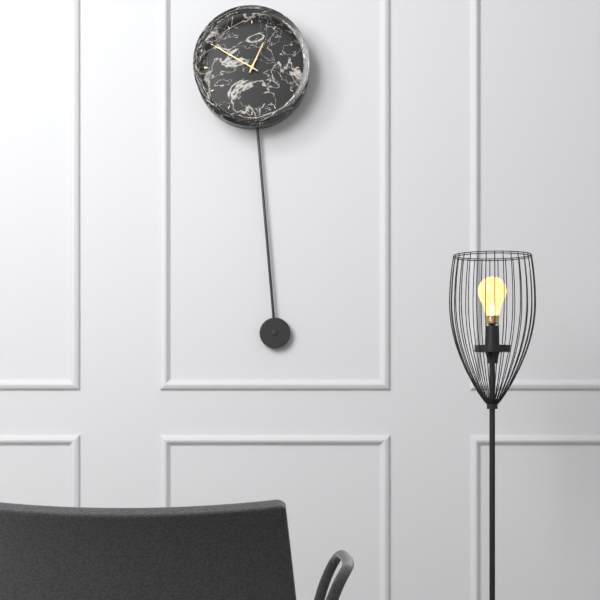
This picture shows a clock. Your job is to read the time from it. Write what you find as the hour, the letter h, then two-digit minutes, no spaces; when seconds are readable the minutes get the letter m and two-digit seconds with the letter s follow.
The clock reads 12h50
